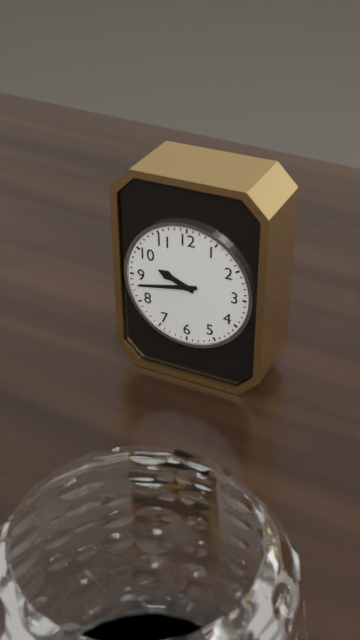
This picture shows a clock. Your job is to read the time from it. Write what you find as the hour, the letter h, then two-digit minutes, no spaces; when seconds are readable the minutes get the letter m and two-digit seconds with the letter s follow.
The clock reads 9h43
